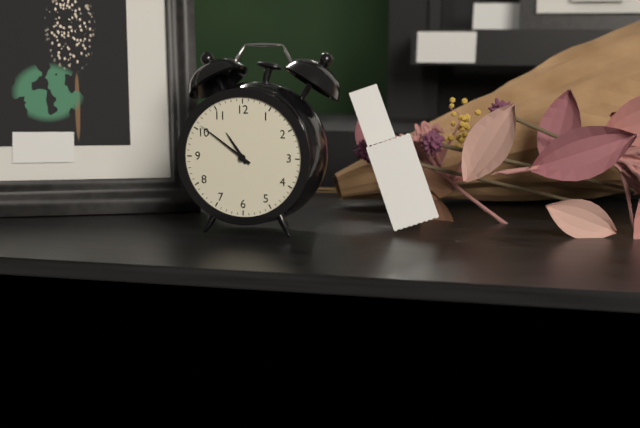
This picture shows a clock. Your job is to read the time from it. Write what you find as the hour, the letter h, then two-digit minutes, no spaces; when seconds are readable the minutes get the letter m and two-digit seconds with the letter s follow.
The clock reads 10h51
